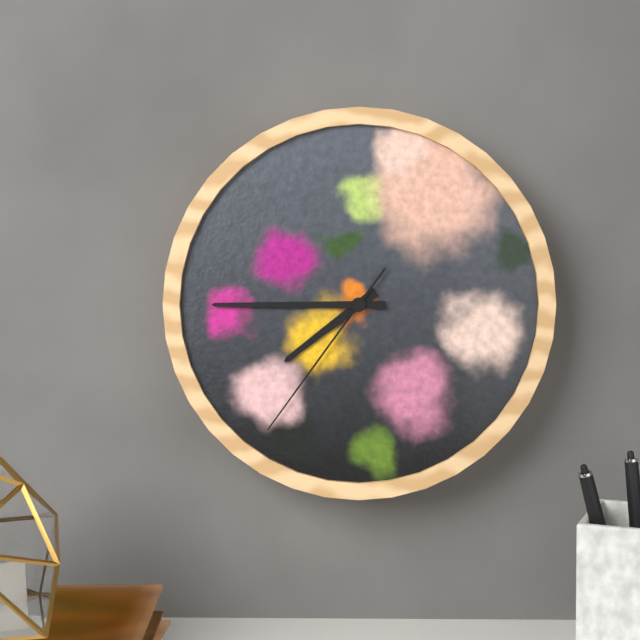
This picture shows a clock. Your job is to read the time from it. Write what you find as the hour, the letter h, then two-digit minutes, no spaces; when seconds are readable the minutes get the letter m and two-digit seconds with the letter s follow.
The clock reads 7h45m36s
